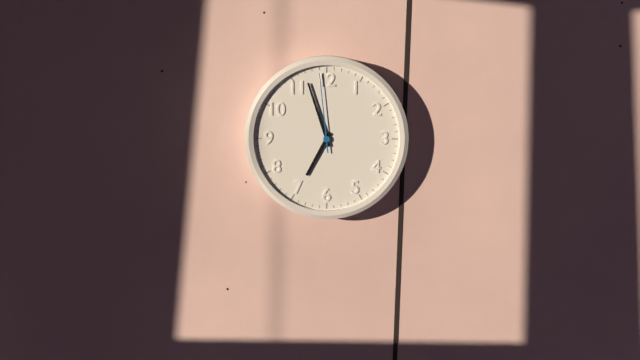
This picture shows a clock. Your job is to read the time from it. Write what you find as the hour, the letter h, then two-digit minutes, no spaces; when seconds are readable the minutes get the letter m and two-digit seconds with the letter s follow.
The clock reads 6h57m59s
